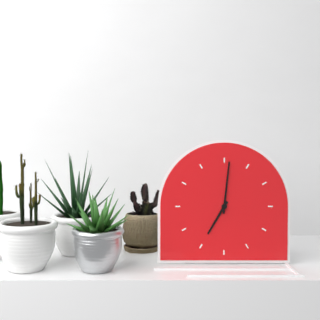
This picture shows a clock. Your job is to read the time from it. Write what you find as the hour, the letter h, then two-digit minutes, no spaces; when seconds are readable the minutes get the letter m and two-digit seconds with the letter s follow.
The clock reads 7h01
